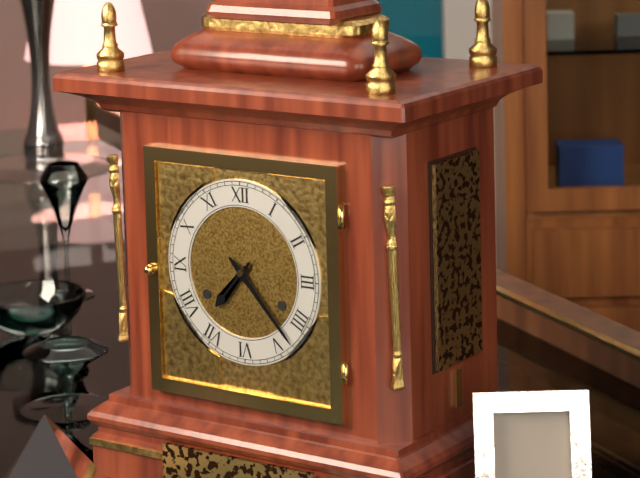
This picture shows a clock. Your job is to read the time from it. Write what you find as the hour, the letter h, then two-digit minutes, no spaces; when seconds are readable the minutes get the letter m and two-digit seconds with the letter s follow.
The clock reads 7h23
